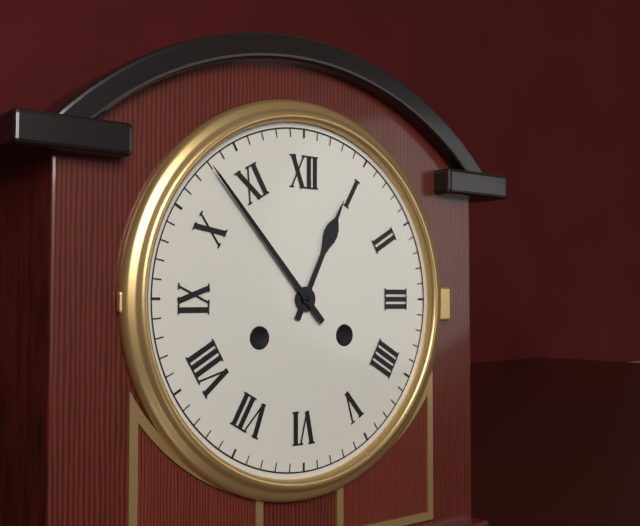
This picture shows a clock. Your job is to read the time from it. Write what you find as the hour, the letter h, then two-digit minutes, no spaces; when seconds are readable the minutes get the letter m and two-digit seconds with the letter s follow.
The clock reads 12h53
